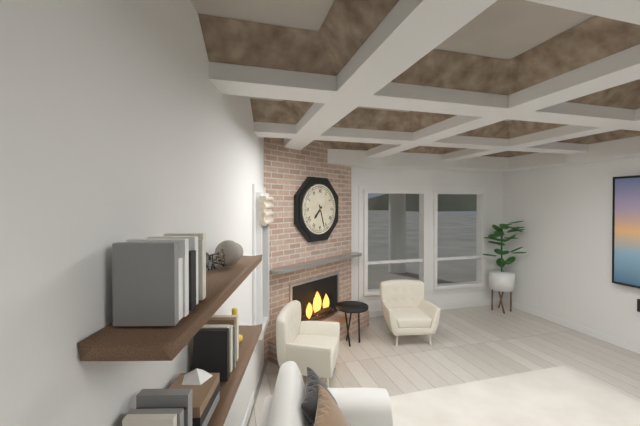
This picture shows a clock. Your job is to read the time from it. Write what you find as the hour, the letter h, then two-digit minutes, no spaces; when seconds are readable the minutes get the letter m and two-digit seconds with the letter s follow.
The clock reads 7h27
